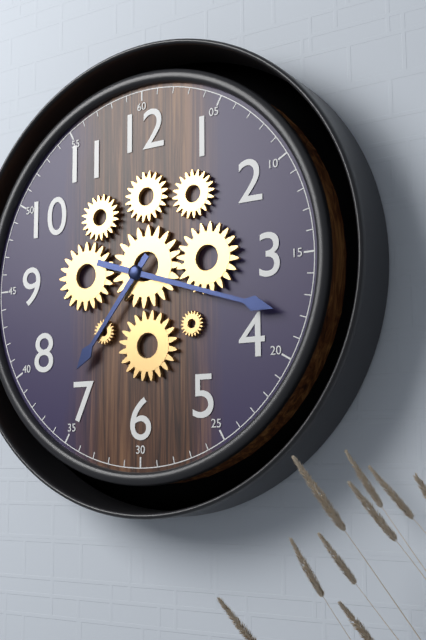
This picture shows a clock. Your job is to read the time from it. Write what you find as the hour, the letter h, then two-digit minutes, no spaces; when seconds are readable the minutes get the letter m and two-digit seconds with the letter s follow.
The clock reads 7h18
